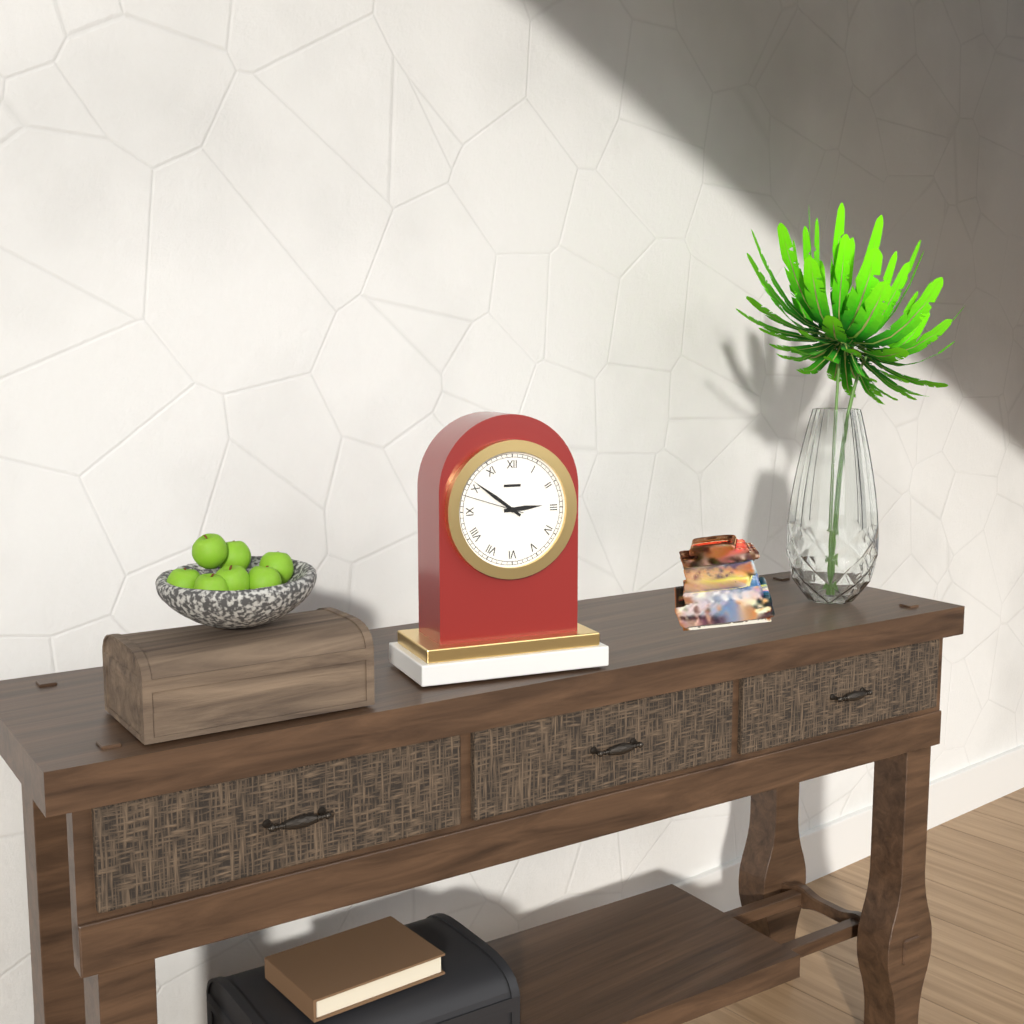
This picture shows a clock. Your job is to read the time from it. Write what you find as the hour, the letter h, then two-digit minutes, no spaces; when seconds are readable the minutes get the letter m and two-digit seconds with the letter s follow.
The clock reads 2h51m48s
